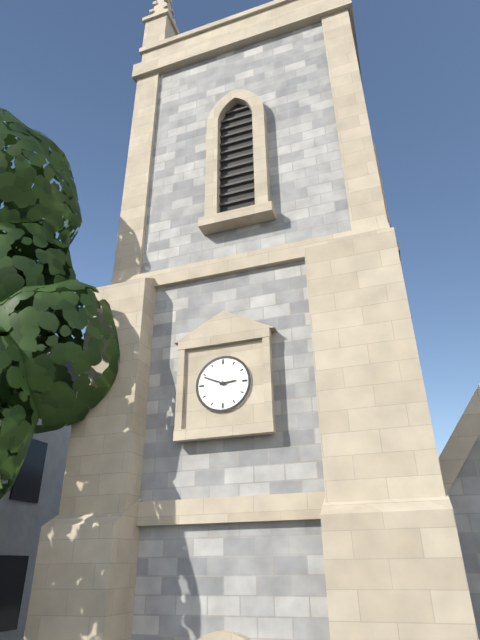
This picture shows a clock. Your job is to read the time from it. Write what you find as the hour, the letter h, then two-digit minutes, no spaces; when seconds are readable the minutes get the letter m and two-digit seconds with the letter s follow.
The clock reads 2h49
